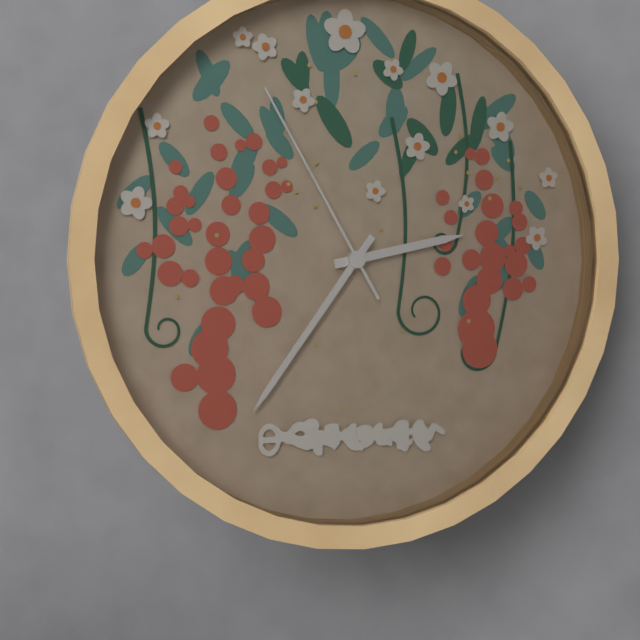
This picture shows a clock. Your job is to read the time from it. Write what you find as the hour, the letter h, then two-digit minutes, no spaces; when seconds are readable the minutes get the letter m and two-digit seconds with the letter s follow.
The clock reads 2h36m55s
